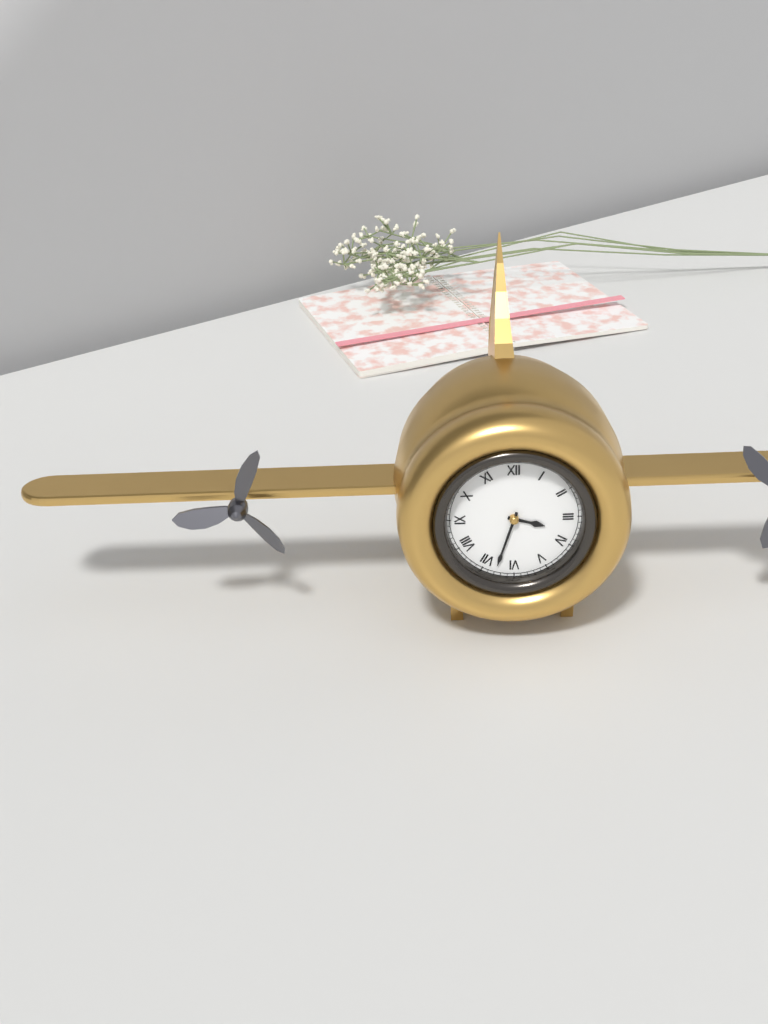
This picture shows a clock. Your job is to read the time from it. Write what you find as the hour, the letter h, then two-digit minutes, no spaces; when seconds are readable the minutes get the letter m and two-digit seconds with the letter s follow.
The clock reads 3h33
